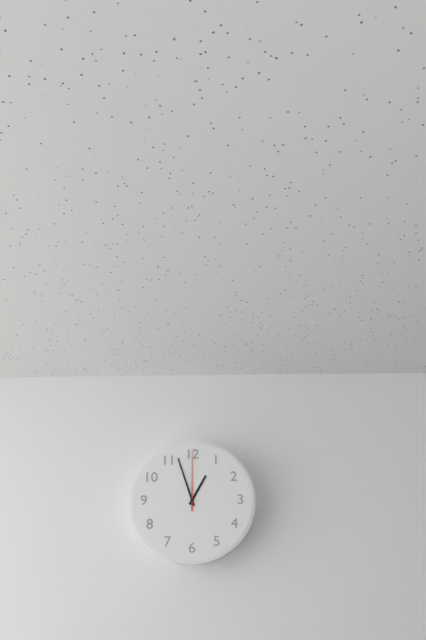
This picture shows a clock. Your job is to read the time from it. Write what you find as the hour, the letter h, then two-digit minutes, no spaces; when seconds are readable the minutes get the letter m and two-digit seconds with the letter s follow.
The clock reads 12h57m00s
